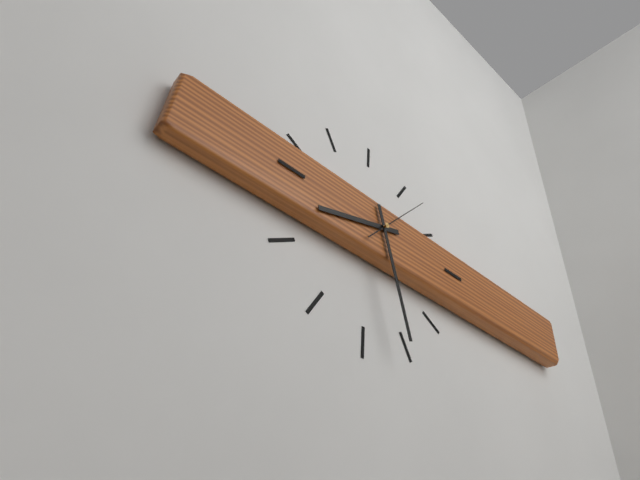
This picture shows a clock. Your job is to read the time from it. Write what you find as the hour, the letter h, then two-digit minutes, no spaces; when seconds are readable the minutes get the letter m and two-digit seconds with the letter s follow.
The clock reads 8h27m07s
